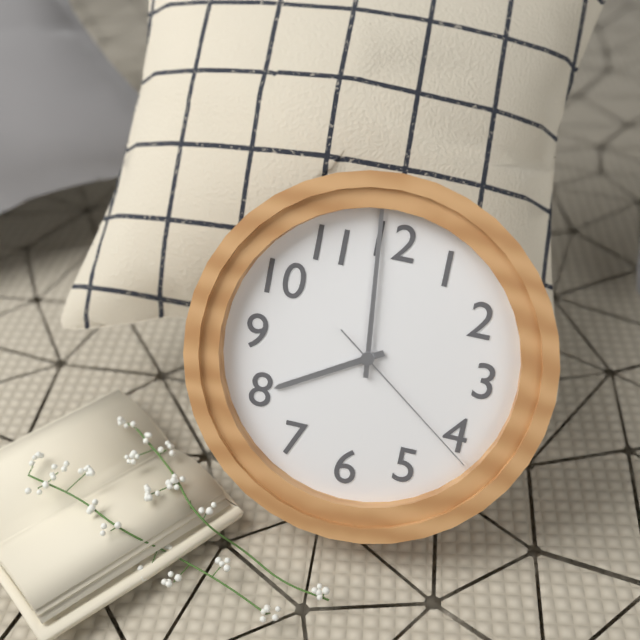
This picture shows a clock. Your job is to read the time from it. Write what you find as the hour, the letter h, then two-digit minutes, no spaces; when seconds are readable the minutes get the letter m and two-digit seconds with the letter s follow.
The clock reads 7h59m21s
